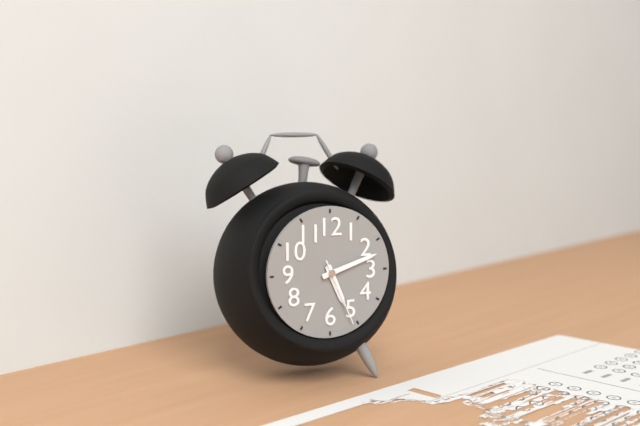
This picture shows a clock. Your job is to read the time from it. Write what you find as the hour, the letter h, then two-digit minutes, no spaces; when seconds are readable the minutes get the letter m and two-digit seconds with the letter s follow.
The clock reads 5h12m26s
